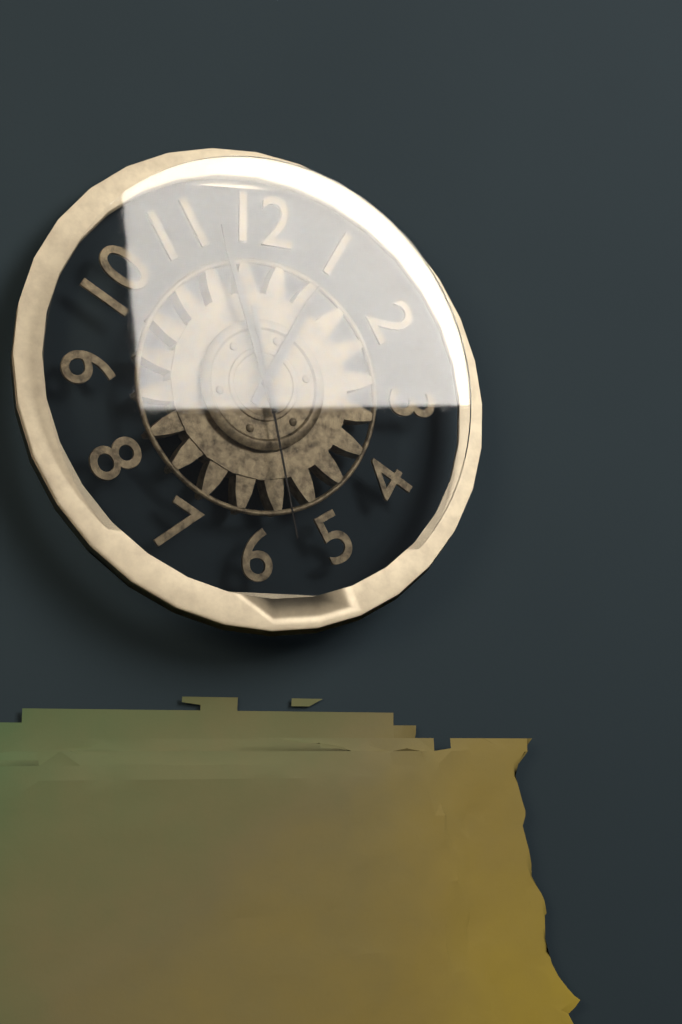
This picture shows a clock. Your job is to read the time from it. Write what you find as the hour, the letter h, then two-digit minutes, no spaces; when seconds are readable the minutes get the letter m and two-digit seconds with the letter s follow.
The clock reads 12h57m28s
